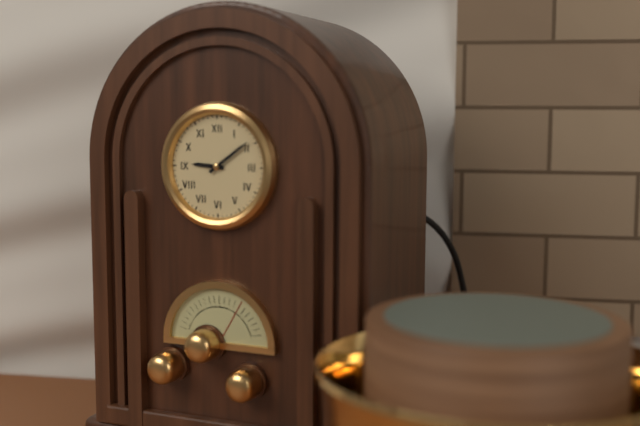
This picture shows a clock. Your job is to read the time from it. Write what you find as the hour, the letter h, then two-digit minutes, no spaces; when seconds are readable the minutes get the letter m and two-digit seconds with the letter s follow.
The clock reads 9h09
